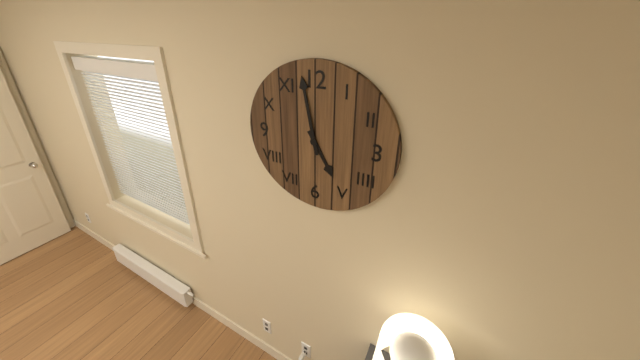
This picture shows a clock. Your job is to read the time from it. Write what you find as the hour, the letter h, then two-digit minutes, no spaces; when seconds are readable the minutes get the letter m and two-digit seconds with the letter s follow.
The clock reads 4h58
